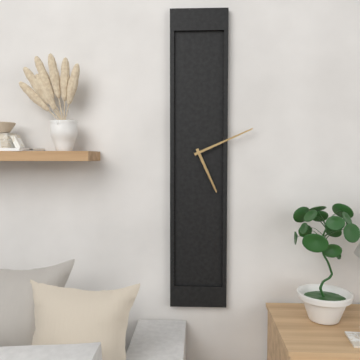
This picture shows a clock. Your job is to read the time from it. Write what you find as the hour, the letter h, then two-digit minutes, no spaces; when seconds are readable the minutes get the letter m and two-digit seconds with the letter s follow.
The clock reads 5h11
